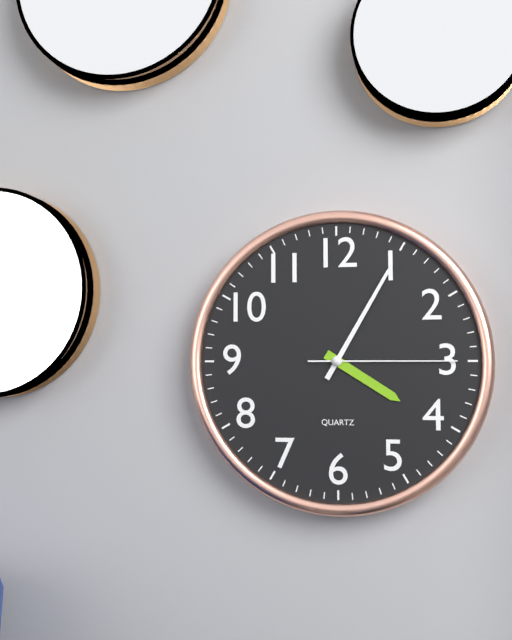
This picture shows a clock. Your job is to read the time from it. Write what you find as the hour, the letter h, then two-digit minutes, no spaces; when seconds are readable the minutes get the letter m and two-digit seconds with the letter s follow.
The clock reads 4h05m15s
